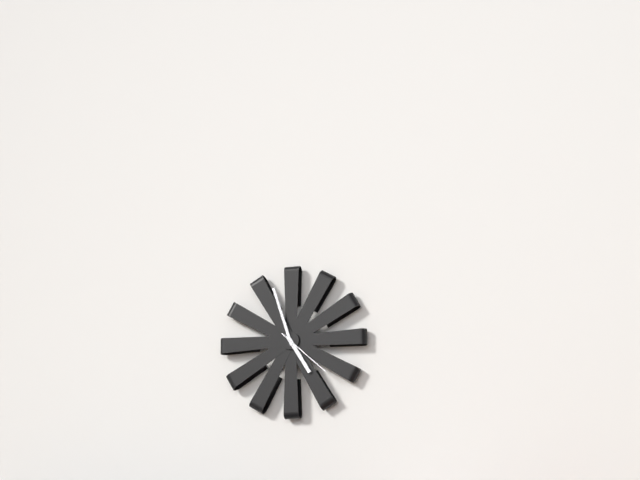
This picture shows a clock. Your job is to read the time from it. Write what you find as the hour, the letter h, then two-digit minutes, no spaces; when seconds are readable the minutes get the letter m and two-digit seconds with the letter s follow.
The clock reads 4h57m22s
